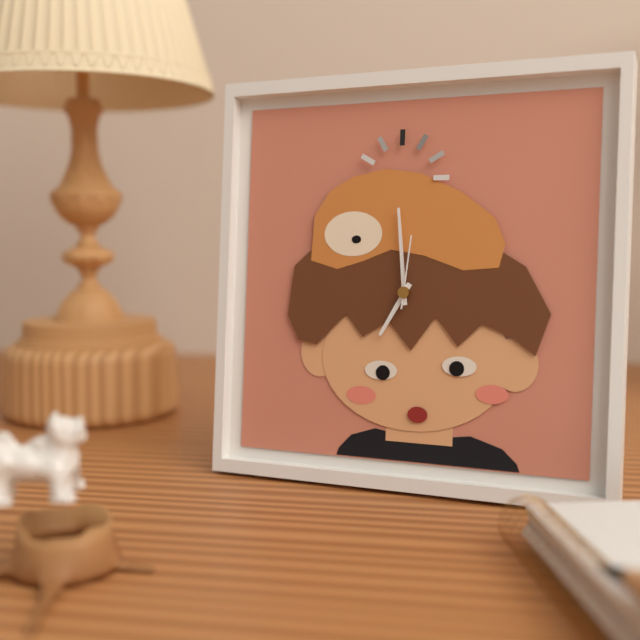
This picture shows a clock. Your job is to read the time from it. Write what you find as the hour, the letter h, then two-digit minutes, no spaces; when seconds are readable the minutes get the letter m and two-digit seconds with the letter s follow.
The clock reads 6h59m01s
